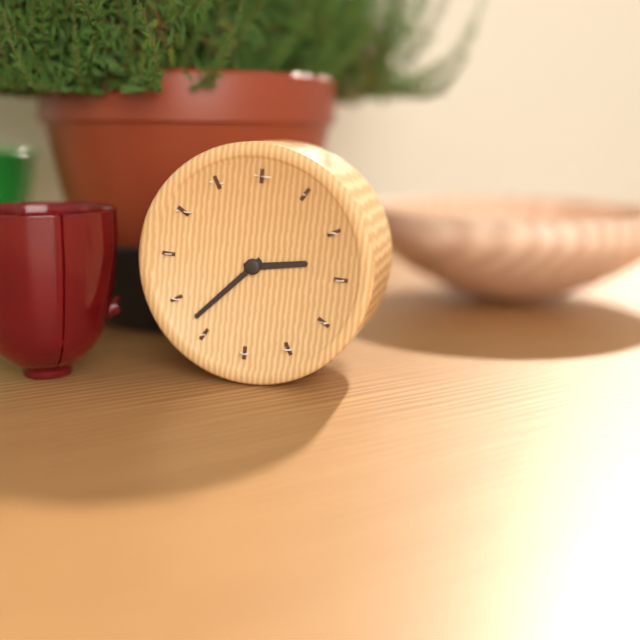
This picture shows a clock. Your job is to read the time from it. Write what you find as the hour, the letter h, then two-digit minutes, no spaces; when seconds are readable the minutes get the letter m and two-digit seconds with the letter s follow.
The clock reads 2h37
